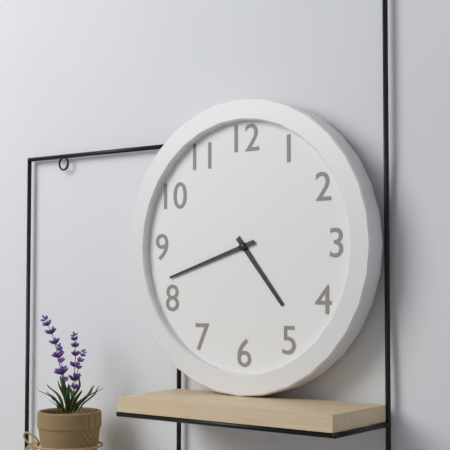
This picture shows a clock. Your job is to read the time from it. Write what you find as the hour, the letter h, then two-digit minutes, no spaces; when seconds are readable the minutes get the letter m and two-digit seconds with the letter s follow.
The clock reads 4h42
